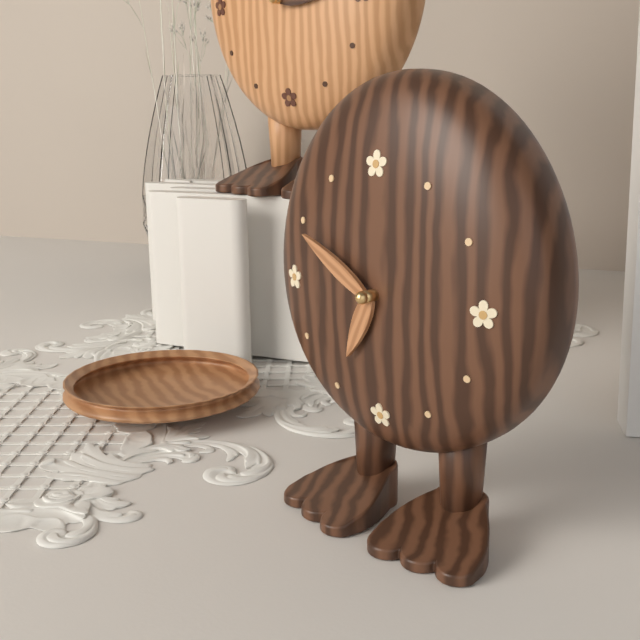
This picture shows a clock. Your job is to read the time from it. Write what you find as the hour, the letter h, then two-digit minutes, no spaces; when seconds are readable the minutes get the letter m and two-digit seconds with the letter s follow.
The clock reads 6h50
